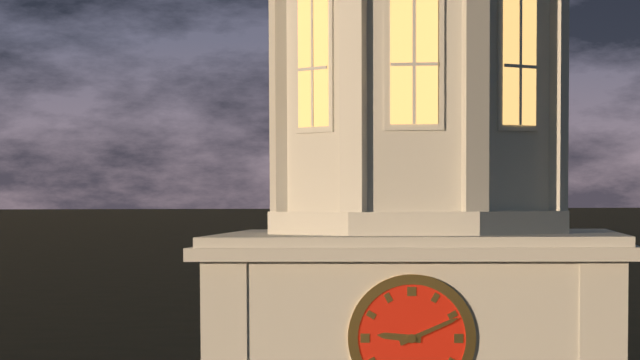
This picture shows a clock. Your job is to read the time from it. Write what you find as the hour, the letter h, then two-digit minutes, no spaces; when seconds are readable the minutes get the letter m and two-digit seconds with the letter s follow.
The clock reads 9h11
